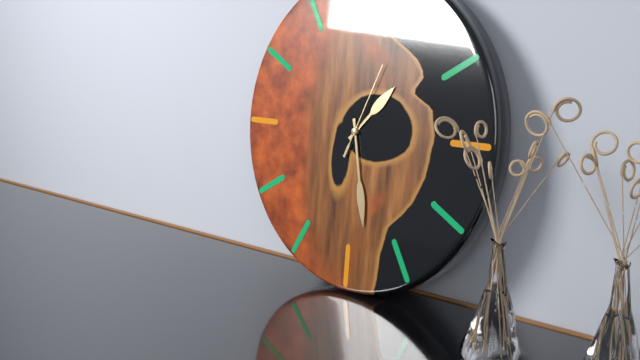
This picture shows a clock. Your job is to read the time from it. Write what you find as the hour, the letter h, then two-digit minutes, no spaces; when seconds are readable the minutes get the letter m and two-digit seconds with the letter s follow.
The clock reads 1h28m04s
